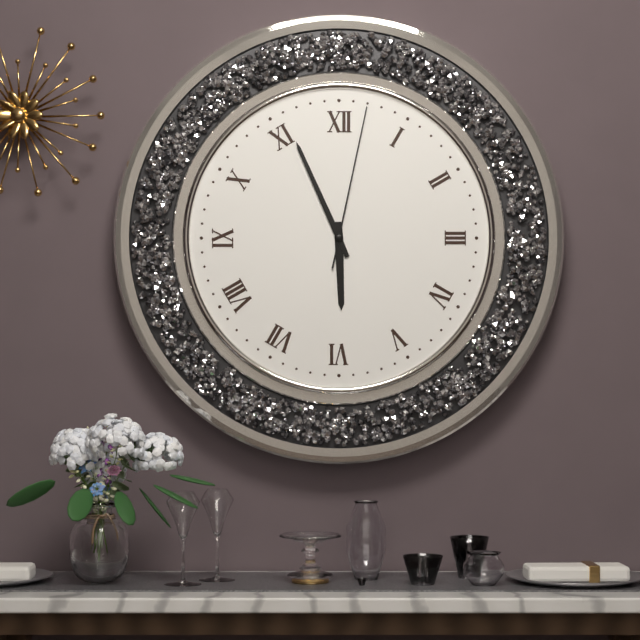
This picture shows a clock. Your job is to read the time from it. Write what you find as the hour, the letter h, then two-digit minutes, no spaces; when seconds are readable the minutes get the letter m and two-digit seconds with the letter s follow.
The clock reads 5h56m02s
